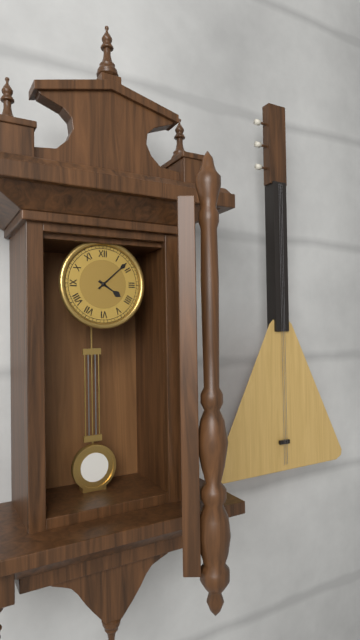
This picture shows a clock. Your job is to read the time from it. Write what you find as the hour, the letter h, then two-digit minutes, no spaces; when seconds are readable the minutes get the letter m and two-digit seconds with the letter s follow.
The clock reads 4h08
